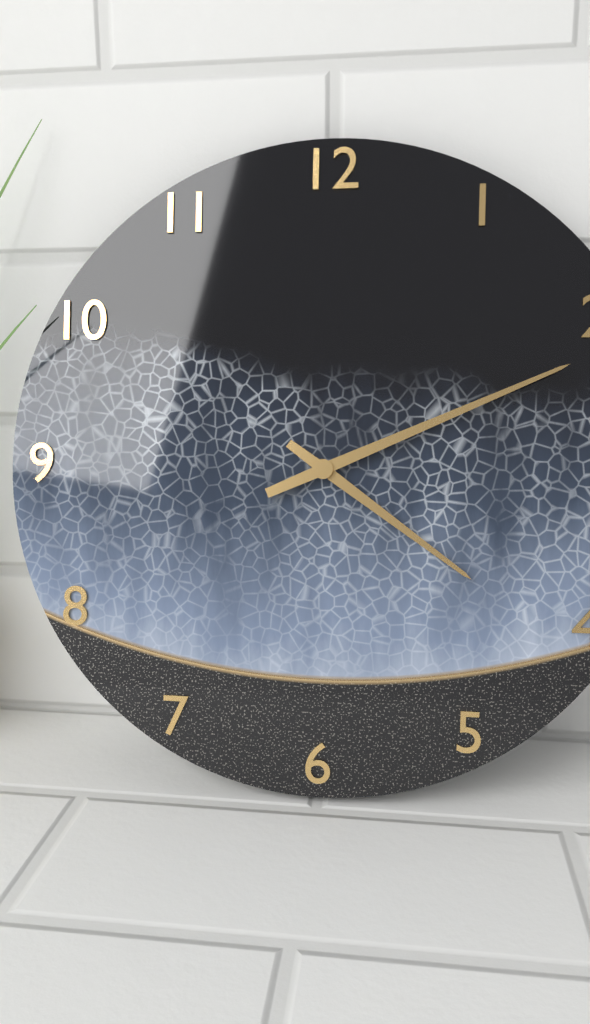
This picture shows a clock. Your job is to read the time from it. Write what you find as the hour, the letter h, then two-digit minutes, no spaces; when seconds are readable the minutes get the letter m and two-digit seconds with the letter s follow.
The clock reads 4h11
